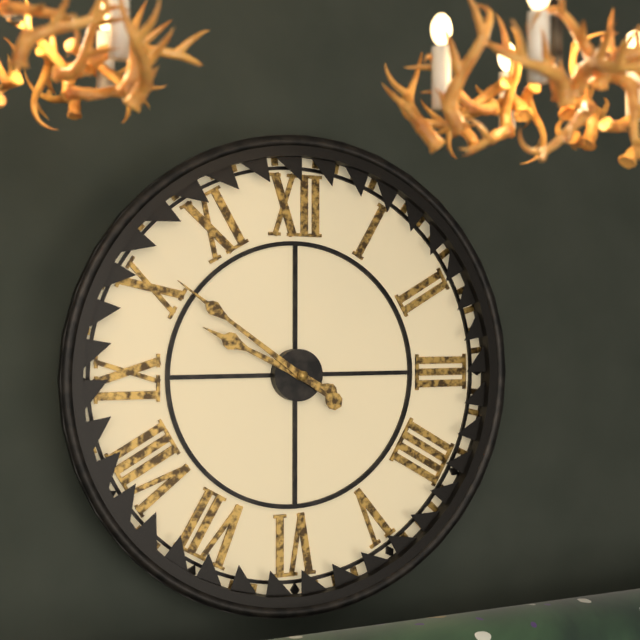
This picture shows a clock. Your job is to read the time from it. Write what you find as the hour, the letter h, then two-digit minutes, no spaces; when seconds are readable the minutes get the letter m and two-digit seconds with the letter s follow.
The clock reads 9h51
